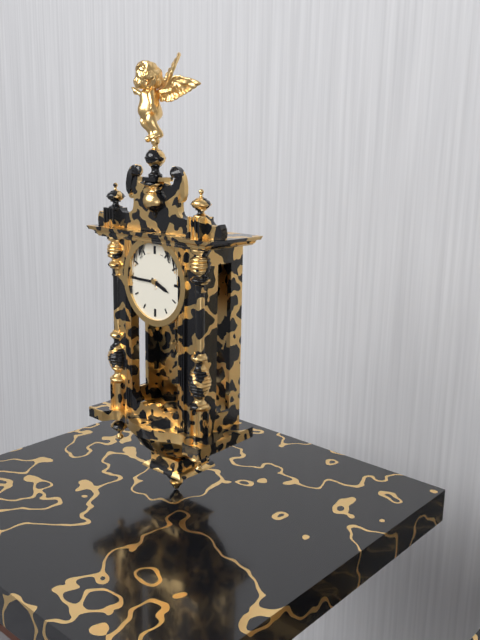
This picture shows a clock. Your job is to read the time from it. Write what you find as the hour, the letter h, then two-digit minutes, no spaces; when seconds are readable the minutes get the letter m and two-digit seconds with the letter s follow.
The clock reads 3h45
